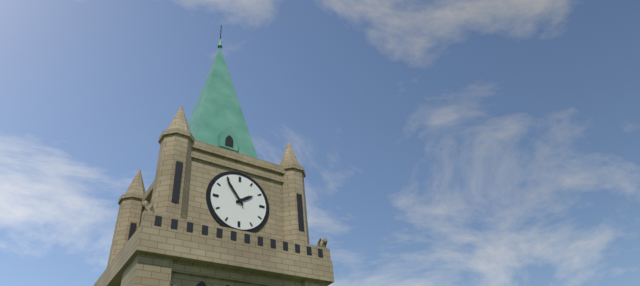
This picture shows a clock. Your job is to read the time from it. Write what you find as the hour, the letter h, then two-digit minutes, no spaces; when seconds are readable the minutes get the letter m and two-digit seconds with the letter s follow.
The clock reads 1h54
